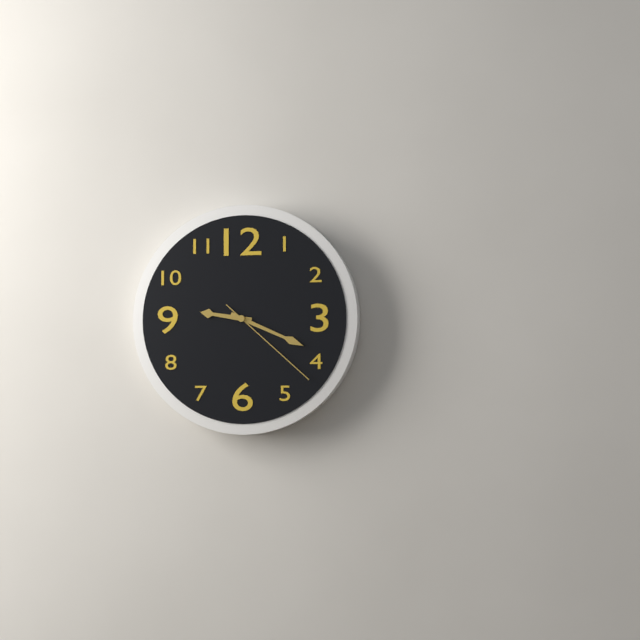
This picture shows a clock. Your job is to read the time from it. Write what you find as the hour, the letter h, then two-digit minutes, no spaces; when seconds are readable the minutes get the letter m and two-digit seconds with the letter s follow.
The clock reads 9h19m22s
